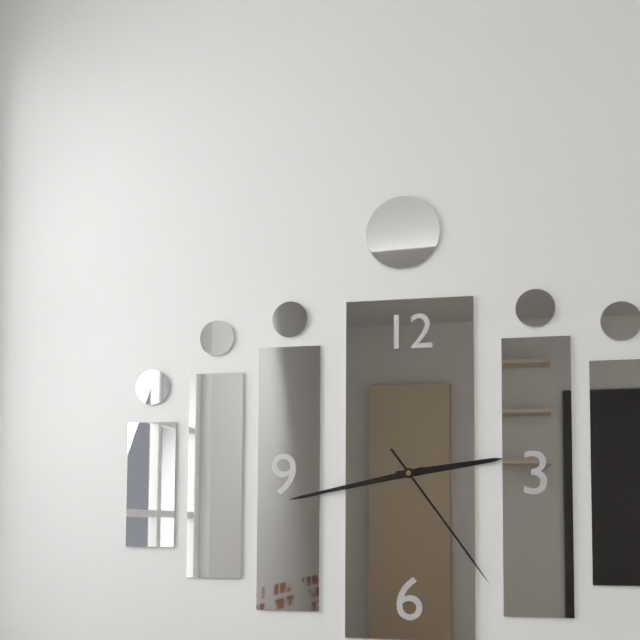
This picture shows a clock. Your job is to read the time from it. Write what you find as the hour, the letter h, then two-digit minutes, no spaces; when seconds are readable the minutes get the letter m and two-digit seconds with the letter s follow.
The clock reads 2h43m24s
